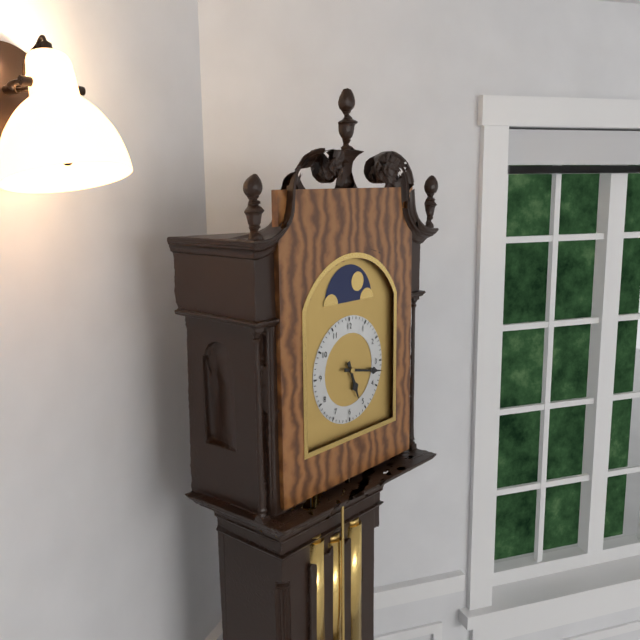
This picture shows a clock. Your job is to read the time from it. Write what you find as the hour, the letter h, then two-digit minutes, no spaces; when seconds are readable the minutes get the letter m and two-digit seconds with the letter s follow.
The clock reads 5h17
